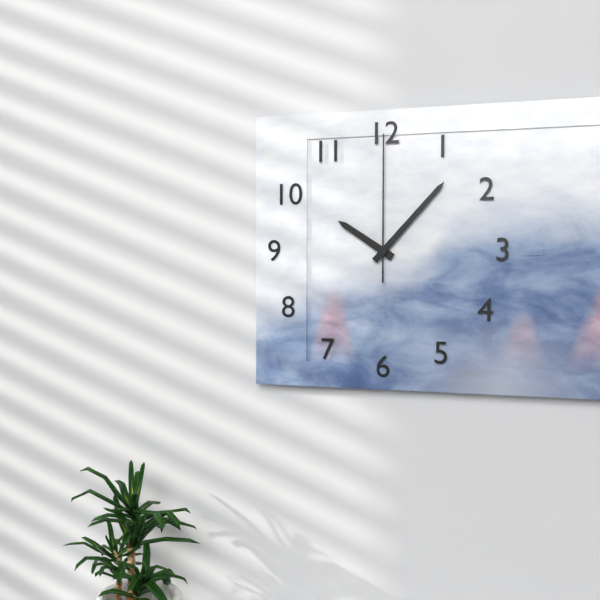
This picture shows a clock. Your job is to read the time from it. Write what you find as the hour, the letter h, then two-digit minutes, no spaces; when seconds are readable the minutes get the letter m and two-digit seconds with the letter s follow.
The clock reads 10h07m00s
